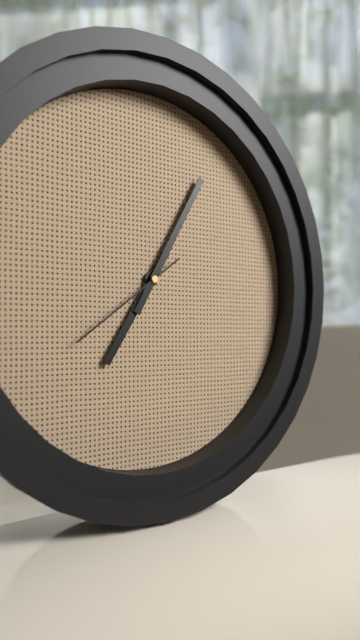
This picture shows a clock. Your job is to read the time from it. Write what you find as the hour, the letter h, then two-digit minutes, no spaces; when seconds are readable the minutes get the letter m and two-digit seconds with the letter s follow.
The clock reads 7h05m39s
